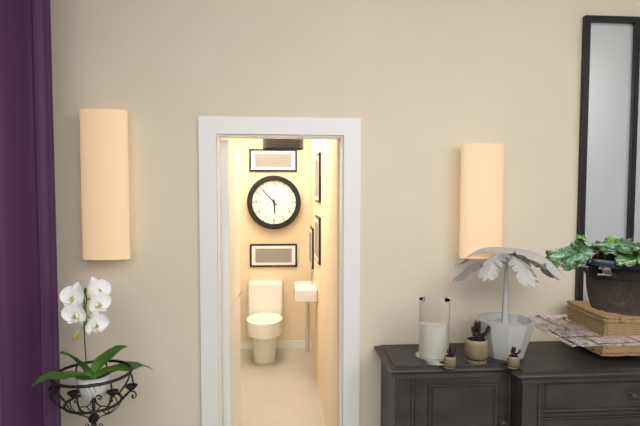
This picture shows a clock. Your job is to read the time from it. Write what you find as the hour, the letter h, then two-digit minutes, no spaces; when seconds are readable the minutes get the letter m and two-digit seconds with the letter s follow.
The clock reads 5h53
